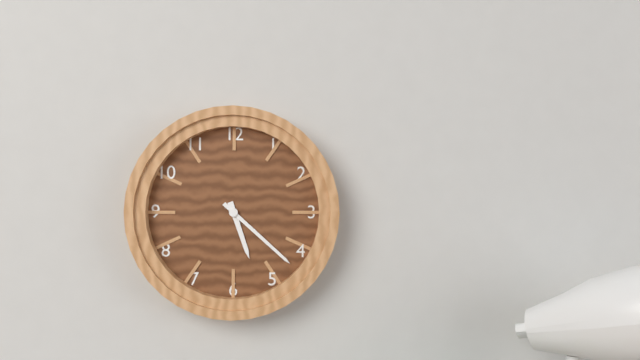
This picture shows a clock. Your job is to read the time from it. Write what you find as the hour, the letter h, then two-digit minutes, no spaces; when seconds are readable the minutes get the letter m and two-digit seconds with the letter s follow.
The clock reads 5h22
